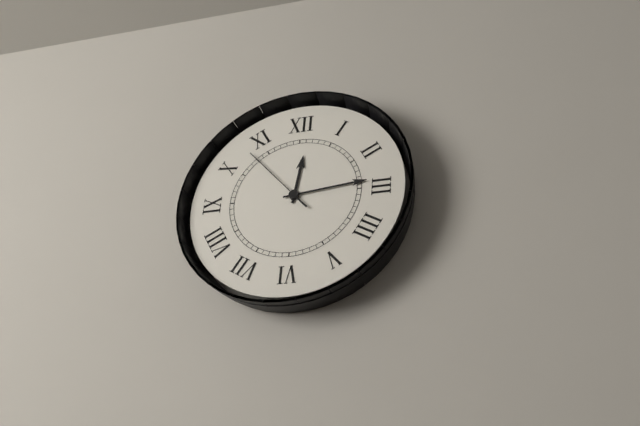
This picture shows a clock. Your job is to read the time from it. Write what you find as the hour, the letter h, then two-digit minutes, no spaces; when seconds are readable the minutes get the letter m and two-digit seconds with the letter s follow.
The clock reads 12h14m53s
